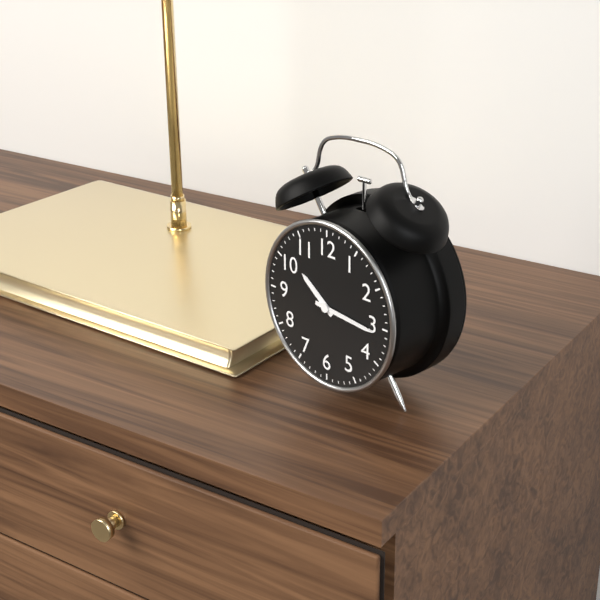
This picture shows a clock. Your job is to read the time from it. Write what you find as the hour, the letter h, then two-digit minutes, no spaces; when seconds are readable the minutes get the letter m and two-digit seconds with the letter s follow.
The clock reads 10h16
